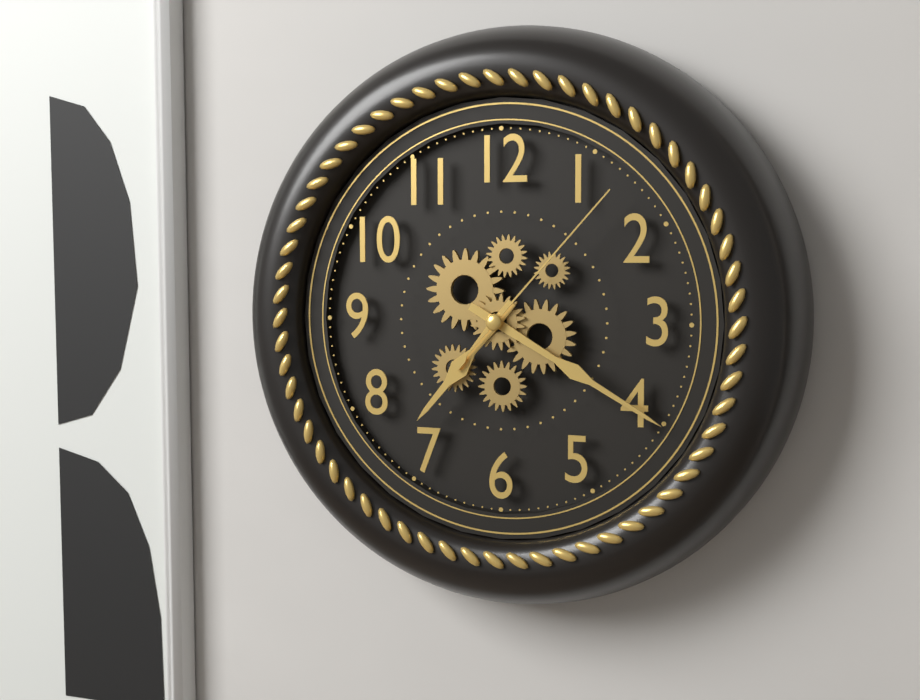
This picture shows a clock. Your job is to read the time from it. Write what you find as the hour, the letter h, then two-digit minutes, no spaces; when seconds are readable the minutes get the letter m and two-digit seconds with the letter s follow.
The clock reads 7h20m07s
